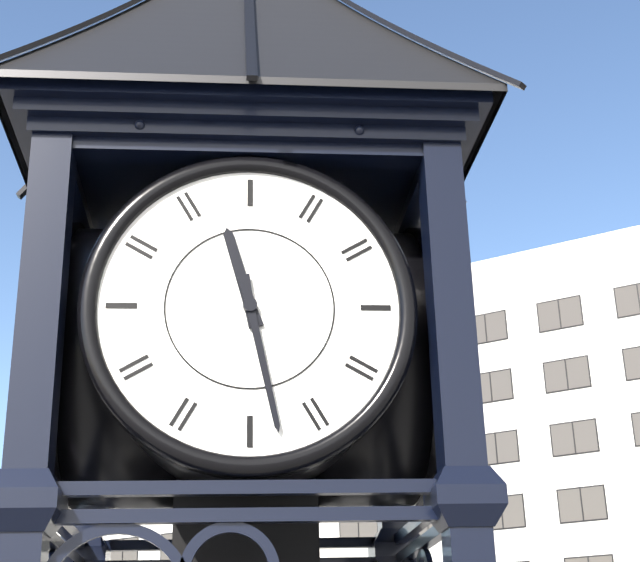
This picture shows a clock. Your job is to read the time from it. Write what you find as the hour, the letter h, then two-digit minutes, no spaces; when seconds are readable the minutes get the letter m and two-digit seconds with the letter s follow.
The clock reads 11h28
